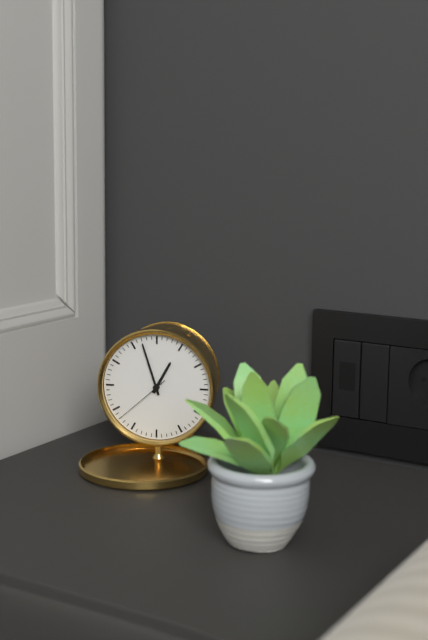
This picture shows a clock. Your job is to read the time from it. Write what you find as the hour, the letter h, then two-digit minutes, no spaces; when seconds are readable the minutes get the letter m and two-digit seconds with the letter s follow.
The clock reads 12h57m38s
